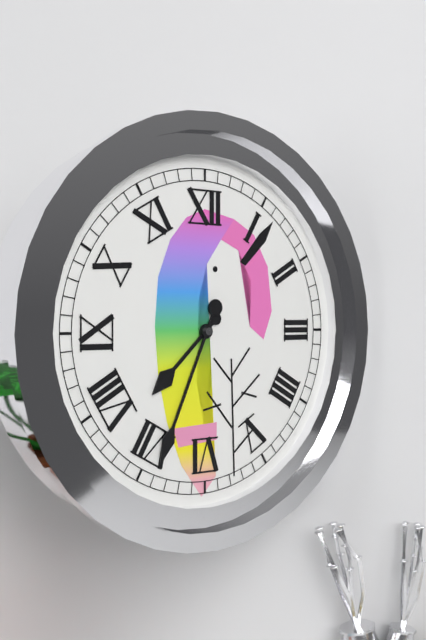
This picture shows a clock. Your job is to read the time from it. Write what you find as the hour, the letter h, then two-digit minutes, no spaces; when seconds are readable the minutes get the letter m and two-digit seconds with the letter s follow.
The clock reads 7h34
